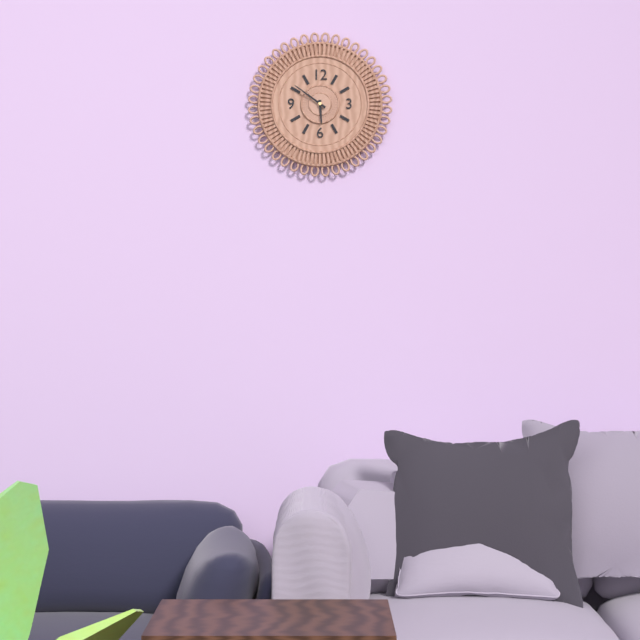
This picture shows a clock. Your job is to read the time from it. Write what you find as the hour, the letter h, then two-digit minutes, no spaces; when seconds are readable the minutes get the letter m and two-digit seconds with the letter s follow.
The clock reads 5h51
